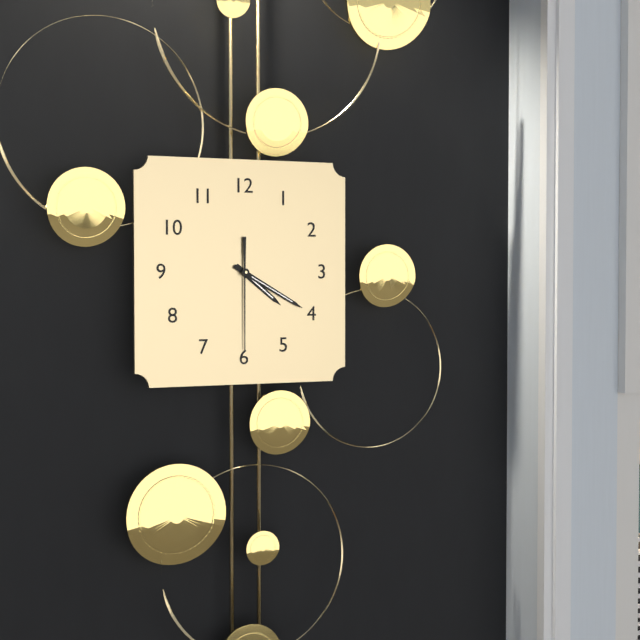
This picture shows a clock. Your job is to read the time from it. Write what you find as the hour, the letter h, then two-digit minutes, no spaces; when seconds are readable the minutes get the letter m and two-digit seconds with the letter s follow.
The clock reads 4h20m30s
